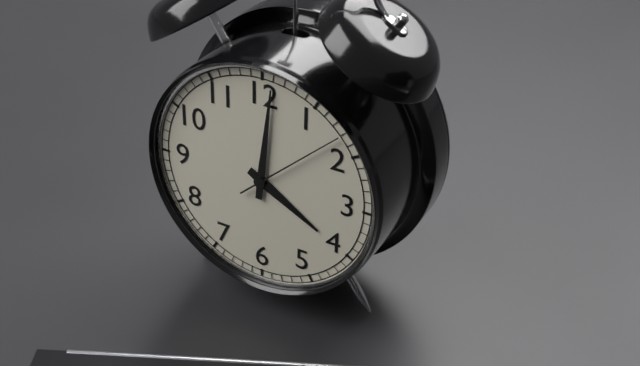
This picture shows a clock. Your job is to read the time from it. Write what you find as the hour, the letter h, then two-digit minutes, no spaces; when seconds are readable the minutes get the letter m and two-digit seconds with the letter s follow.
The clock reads 4h01m08s
